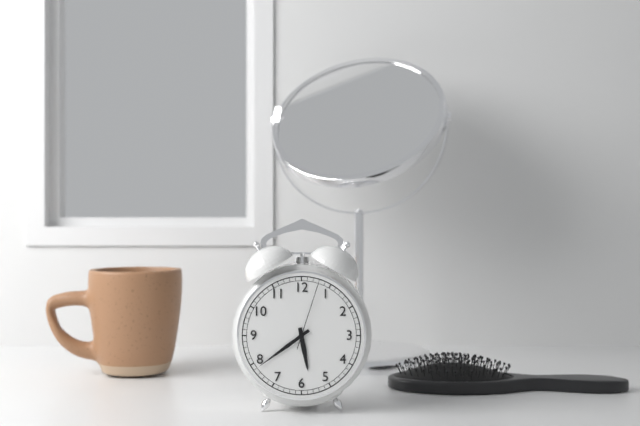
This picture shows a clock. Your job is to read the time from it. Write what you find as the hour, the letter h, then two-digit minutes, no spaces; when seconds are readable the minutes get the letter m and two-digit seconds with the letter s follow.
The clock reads 5h39m03s
